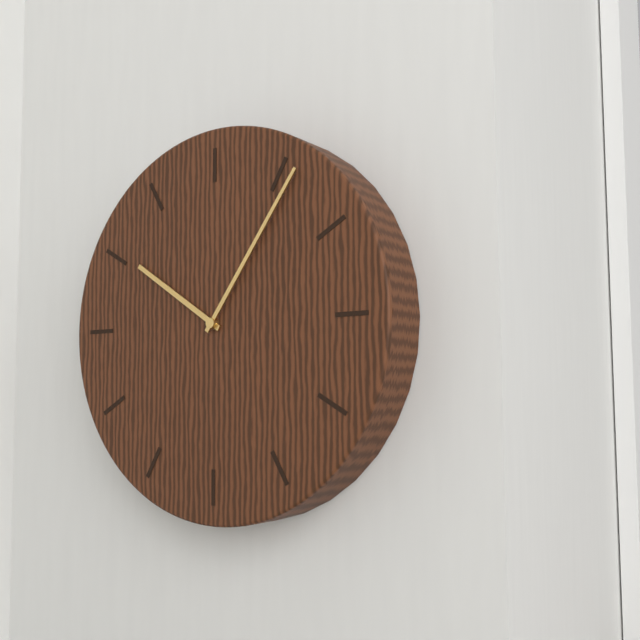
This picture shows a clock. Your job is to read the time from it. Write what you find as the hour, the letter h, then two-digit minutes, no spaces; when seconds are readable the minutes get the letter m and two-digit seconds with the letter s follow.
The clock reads 10h06
